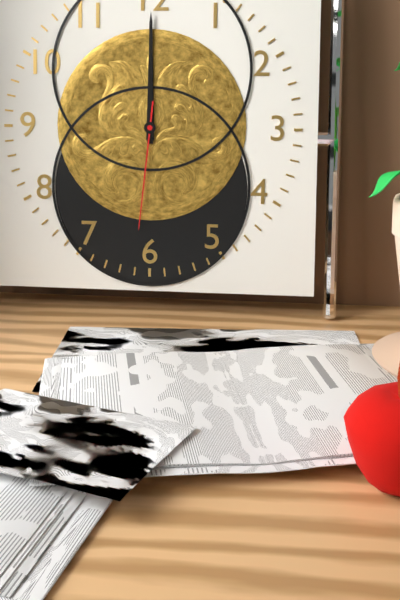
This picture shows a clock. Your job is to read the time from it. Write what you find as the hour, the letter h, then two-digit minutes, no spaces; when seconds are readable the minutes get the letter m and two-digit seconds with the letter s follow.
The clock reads 12h00m31s
